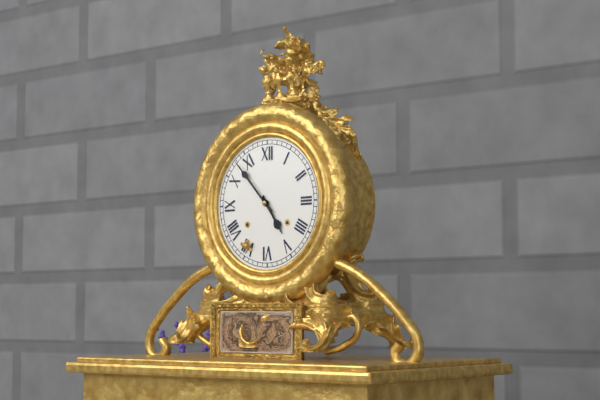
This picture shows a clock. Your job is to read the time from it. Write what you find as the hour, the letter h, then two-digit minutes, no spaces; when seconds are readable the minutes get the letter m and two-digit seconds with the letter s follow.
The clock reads 4h53
